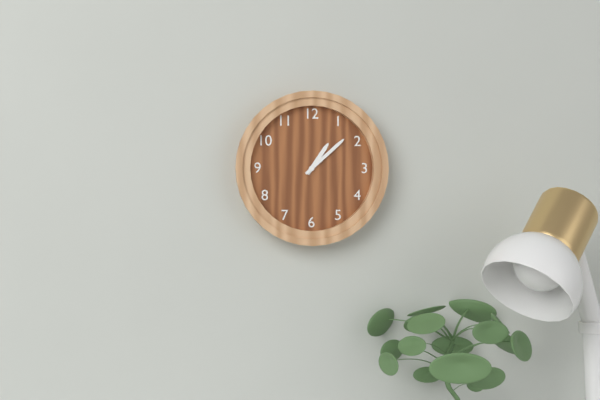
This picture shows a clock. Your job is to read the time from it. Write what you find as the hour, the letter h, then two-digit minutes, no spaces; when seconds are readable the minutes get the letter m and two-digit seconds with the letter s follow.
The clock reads 1h08
